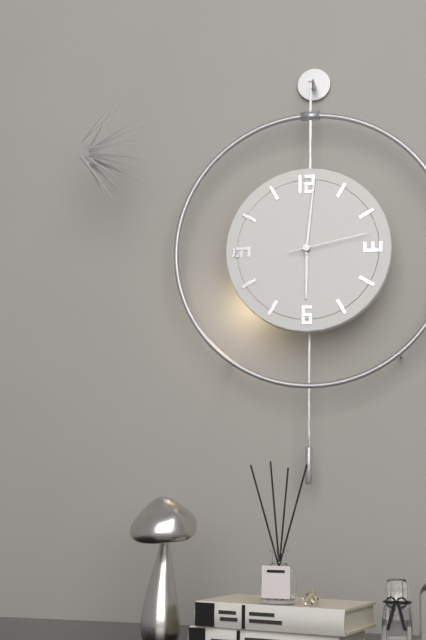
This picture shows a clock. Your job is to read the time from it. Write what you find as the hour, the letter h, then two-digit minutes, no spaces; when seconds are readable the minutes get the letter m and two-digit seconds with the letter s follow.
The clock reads 6h01m13s
